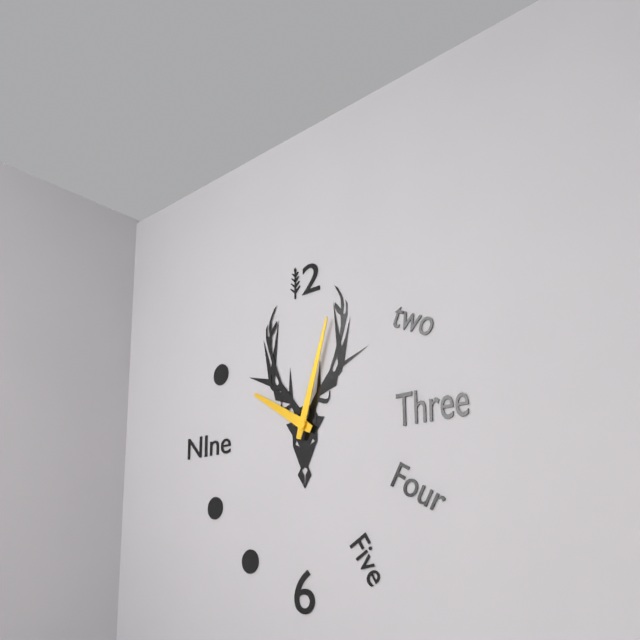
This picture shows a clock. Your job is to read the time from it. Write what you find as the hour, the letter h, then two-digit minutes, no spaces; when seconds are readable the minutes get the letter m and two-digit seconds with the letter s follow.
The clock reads 10h03
